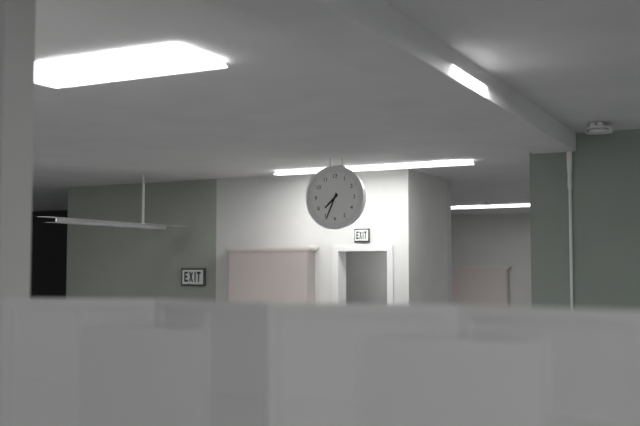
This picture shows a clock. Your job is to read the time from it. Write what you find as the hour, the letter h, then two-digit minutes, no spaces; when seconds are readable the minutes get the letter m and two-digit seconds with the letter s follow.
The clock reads 7h34
